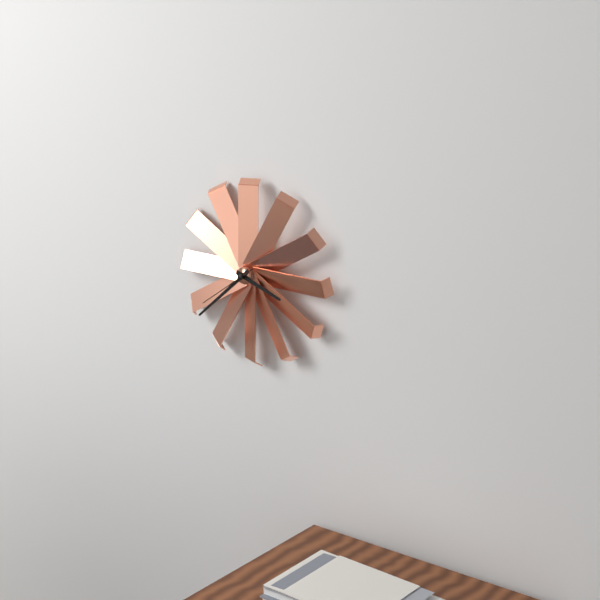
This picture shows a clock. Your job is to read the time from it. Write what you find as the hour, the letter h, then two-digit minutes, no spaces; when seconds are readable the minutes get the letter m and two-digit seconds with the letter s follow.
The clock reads 3h38m39s
